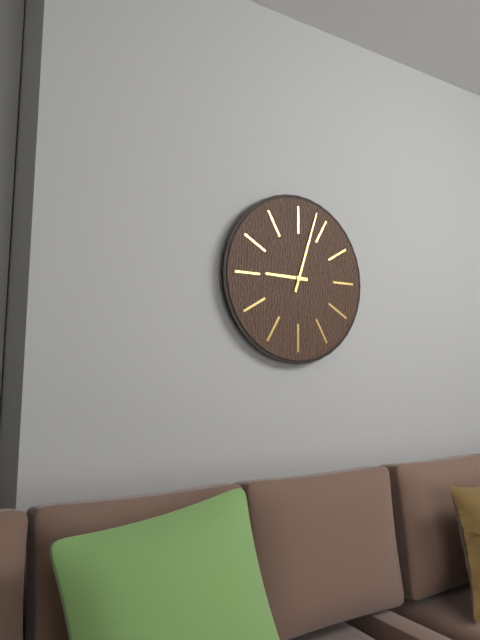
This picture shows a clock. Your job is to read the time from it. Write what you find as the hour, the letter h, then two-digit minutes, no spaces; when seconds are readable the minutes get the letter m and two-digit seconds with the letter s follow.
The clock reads 9h03
